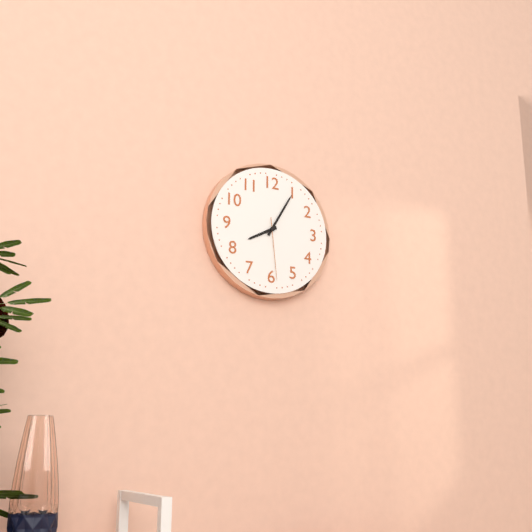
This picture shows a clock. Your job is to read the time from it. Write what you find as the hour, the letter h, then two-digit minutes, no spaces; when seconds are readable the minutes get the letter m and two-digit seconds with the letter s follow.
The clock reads 8h05m29s
